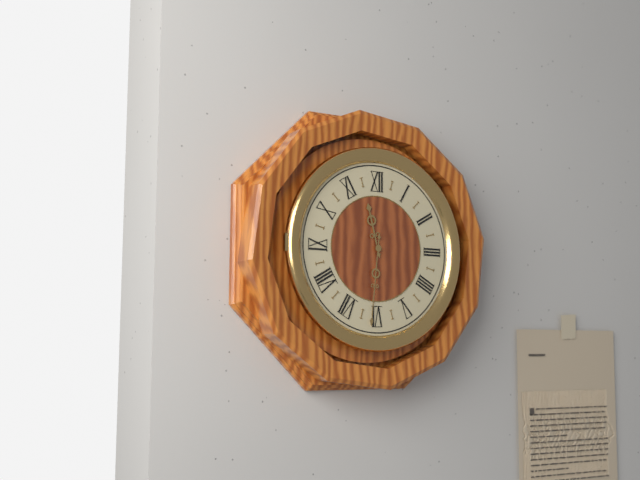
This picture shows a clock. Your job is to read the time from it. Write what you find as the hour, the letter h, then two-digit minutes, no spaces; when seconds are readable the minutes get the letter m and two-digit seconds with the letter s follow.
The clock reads 11h31
